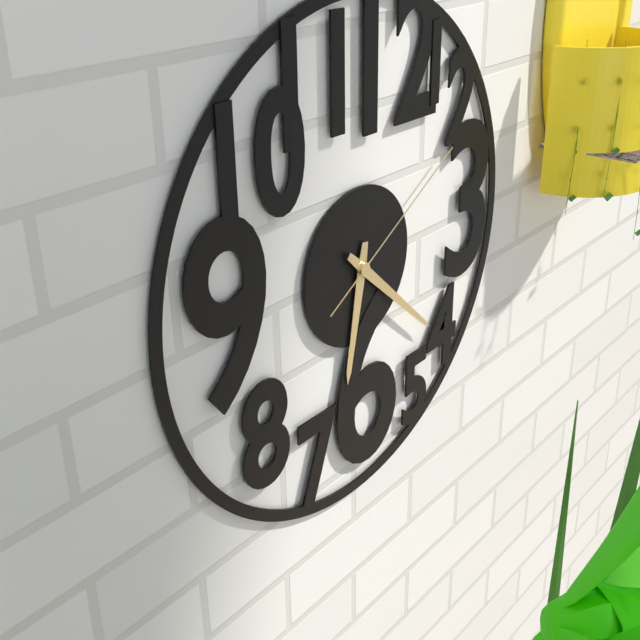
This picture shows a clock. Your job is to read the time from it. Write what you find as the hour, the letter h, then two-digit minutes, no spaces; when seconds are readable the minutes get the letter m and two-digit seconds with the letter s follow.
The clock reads 6h22m10s
